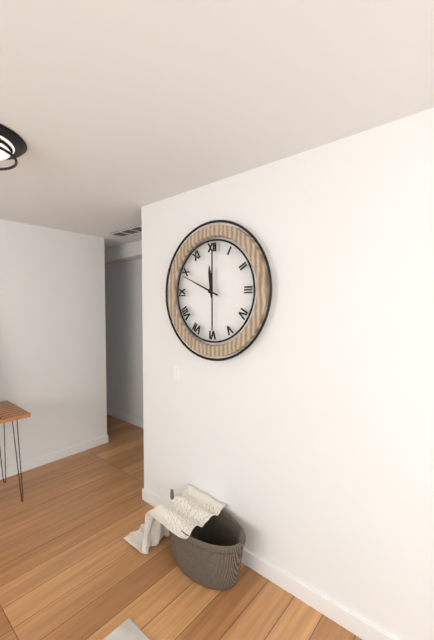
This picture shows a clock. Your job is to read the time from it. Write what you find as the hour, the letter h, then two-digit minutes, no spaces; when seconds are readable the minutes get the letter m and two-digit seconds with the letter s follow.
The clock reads 11h49
